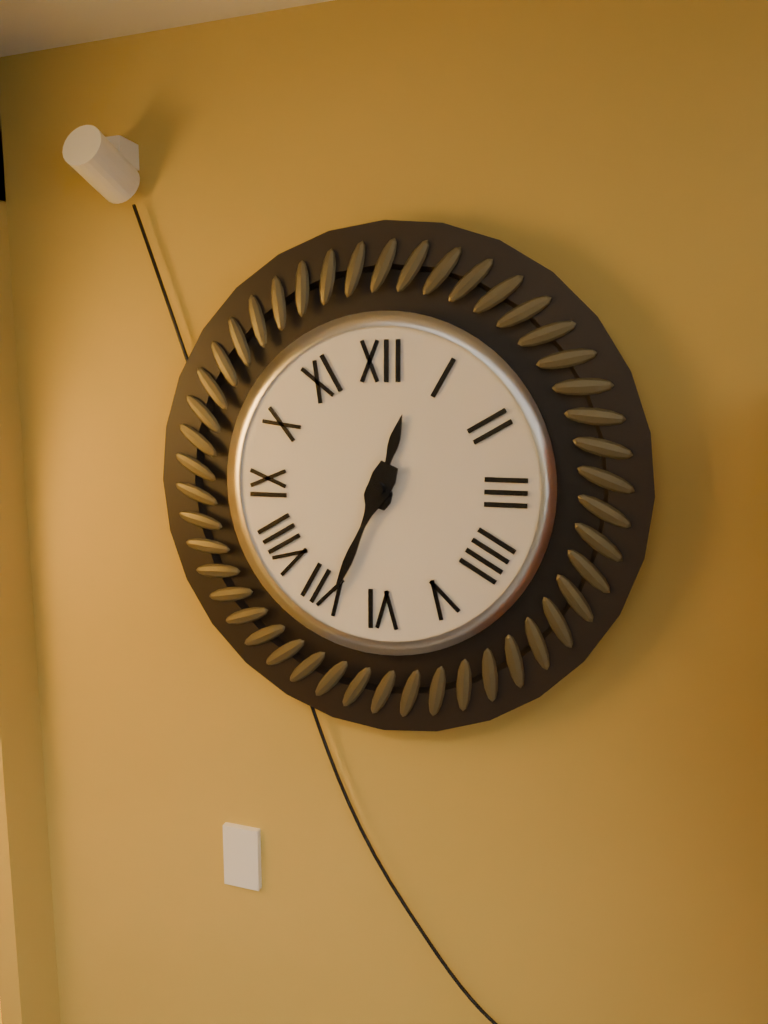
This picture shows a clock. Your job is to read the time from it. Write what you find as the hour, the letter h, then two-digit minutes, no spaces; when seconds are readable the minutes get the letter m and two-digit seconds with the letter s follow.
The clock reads 12h34
